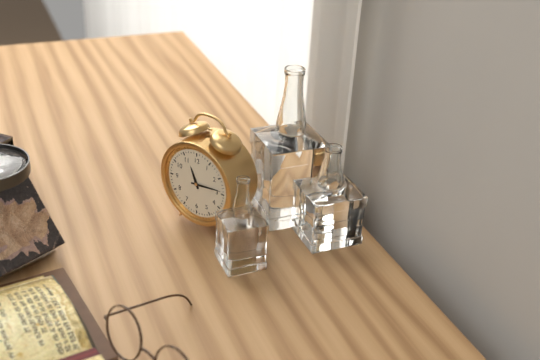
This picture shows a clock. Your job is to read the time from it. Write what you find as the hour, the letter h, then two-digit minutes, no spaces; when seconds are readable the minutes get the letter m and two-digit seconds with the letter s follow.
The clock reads 11h14
